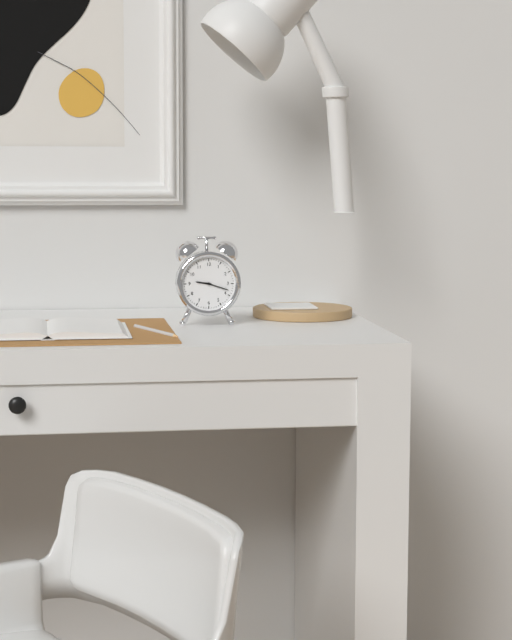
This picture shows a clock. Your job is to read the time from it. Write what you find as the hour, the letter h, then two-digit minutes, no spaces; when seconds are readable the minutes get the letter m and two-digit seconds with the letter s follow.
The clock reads 9h18
